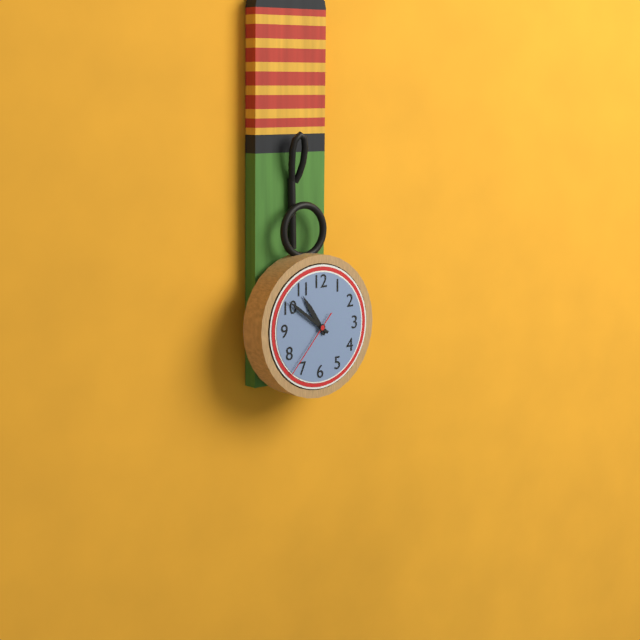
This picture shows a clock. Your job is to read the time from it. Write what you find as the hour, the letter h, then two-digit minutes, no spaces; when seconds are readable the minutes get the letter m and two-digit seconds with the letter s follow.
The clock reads 10h51m37s
